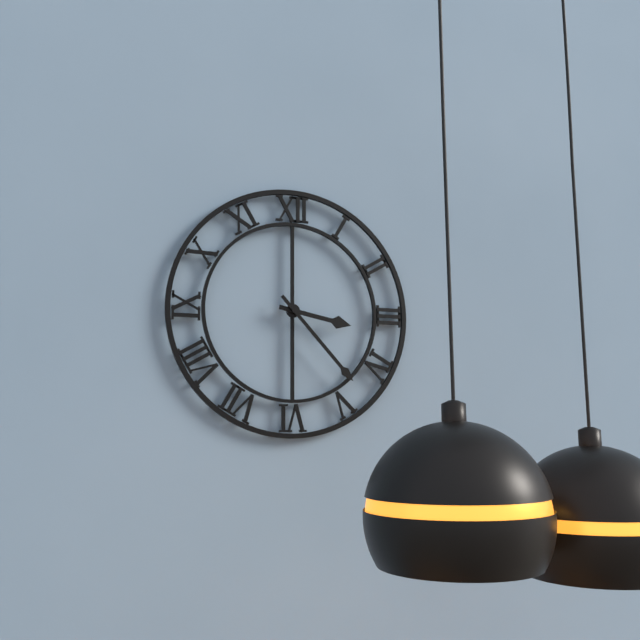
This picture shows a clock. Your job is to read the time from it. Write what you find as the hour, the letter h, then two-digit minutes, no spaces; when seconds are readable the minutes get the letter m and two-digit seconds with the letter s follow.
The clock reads 3h23
